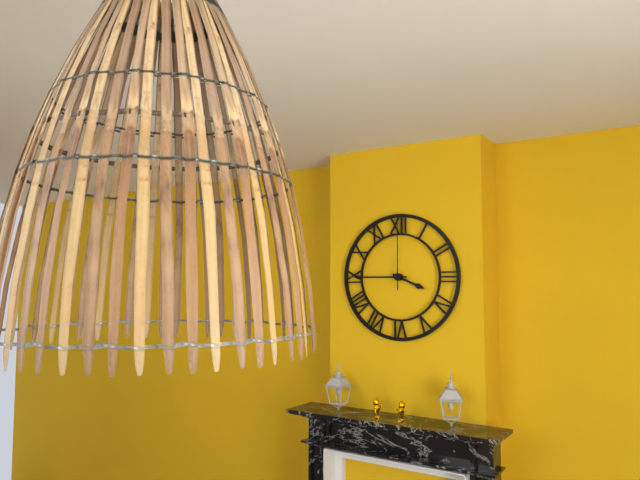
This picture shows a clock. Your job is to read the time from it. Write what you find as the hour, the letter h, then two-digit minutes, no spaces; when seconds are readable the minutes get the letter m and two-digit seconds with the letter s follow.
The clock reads 3h45m00s
